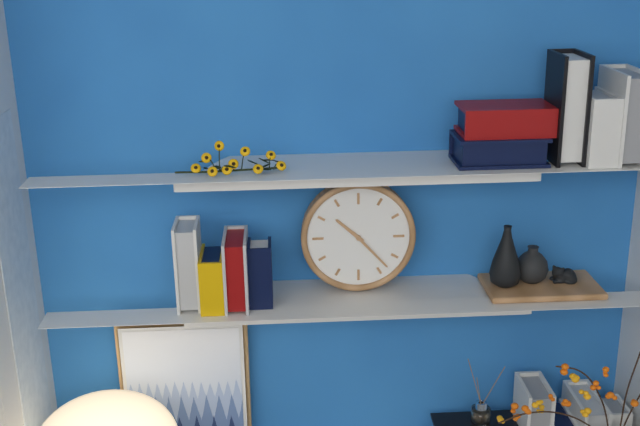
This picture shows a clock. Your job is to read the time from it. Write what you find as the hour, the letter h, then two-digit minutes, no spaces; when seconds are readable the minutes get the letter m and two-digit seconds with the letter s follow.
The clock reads 10h23
